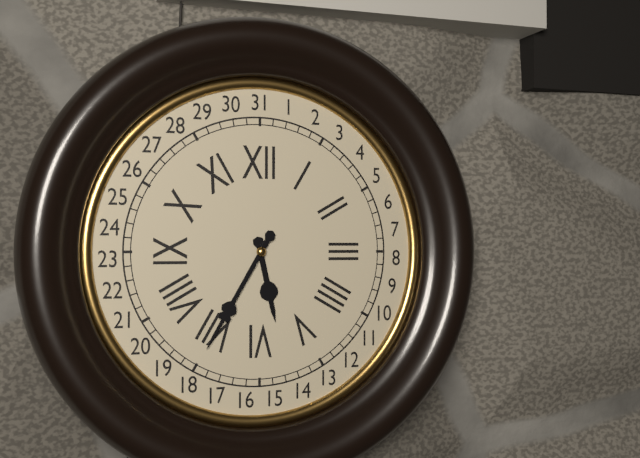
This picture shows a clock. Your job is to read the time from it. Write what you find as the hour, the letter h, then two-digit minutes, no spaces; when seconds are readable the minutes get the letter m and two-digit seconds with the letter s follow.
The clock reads 5h35
